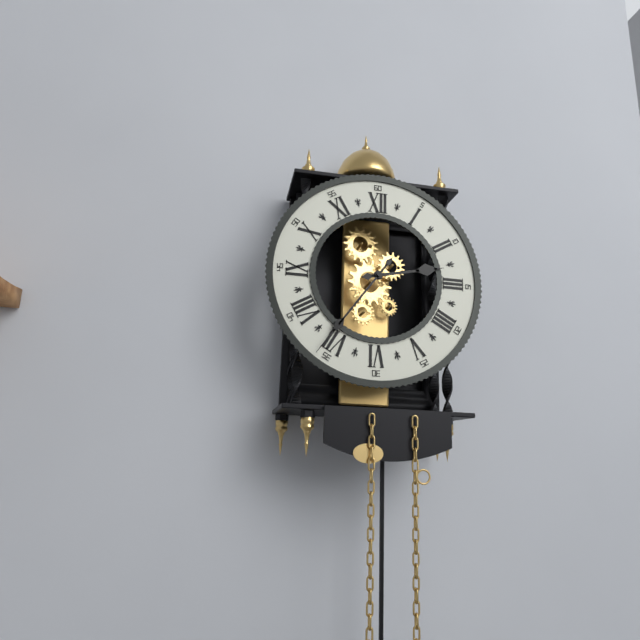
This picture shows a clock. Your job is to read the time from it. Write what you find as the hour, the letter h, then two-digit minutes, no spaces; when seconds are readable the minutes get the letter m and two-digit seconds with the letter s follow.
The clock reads 2h36
